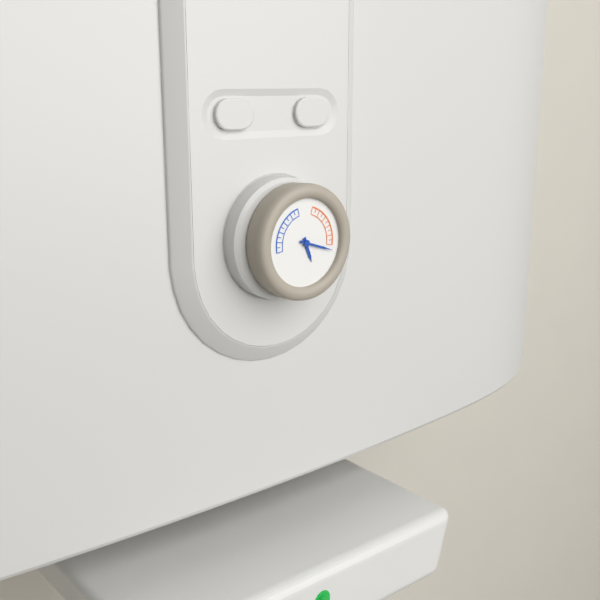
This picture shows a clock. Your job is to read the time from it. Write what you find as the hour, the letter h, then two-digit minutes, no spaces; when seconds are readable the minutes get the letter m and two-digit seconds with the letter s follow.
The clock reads 5h18
